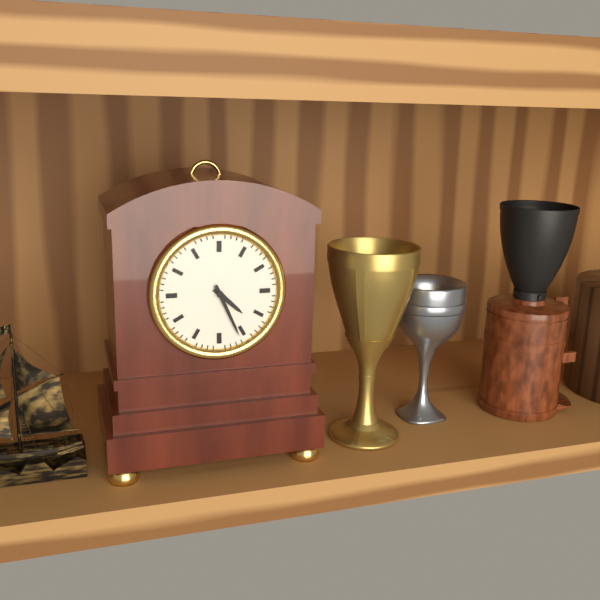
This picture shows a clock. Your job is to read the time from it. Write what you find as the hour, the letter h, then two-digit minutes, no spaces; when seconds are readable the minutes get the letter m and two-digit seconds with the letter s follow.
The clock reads 4h26
